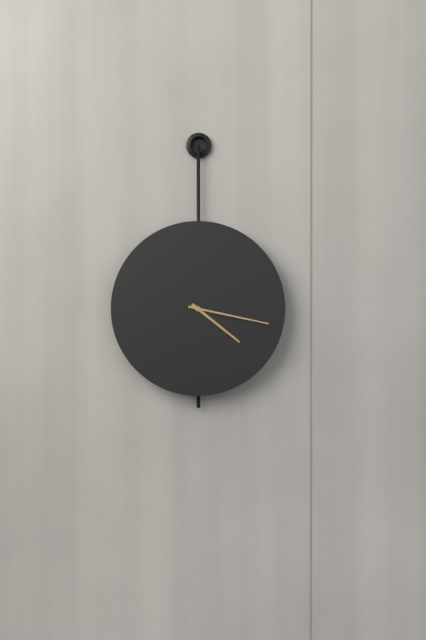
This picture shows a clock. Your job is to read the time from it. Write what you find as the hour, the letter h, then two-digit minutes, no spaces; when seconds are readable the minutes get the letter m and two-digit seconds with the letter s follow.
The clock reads 4h17
